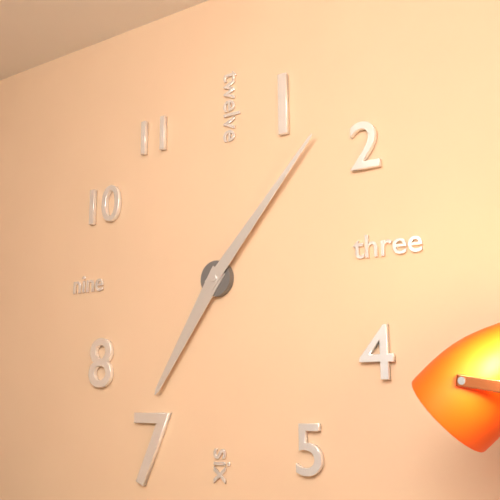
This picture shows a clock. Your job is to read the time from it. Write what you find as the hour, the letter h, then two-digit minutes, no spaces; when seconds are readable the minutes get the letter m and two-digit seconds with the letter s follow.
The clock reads 7h07
